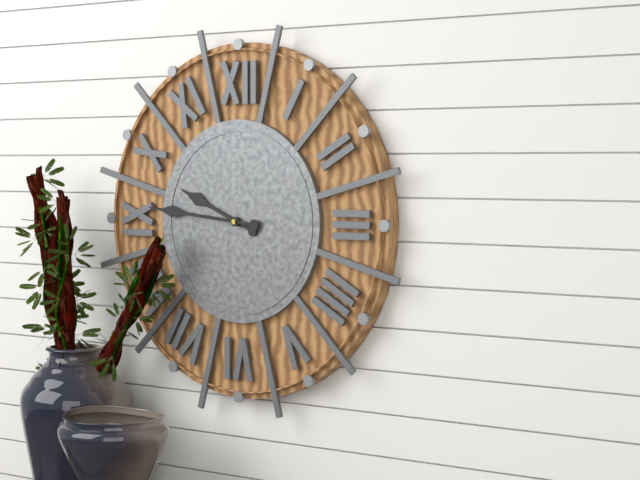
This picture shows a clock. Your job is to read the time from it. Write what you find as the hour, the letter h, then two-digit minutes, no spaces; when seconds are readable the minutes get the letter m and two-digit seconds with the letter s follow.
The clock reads 9h46
